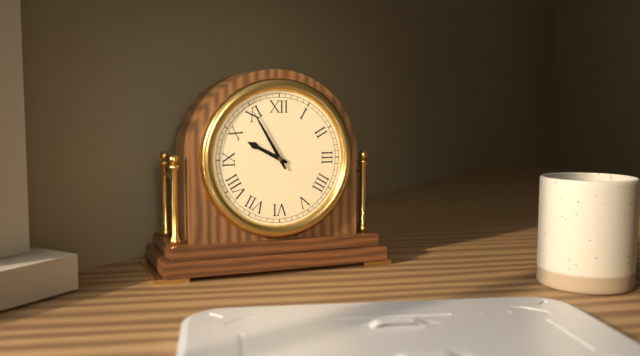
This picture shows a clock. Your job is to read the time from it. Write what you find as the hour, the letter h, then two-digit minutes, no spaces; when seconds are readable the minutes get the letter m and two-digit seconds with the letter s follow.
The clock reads 9h55
